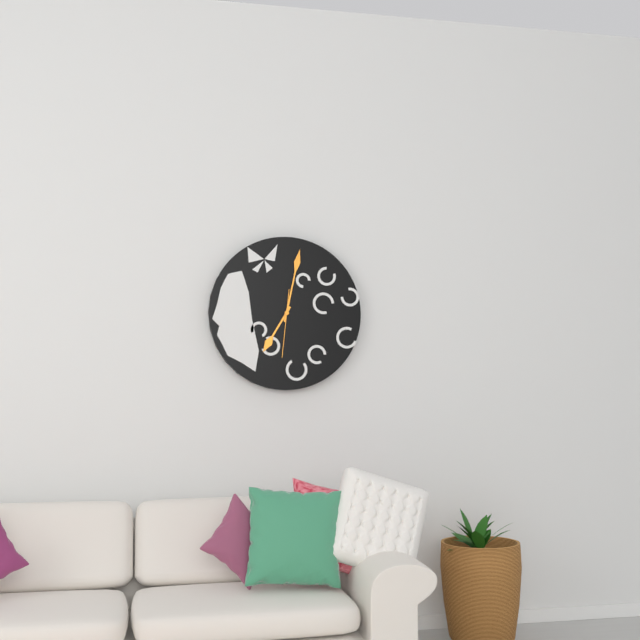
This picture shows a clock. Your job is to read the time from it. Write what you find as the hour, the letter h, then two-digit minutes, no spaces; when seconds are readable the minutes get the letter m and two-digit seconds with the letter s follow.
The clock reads 7h02m31s
